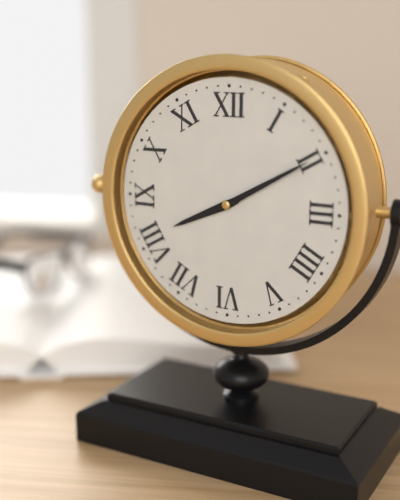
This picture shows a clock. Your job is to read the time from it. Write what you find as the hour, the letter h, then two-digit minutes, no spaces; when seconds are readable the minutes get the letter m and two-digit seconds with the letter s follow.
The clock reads 8h10
